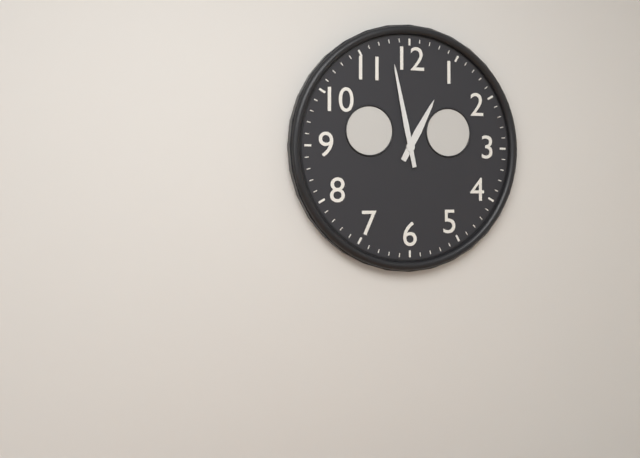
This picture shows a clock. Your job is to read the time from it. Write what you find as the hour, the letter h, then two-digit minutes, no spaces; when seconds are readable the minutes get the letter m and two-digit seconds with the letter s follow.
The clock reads 12h58
